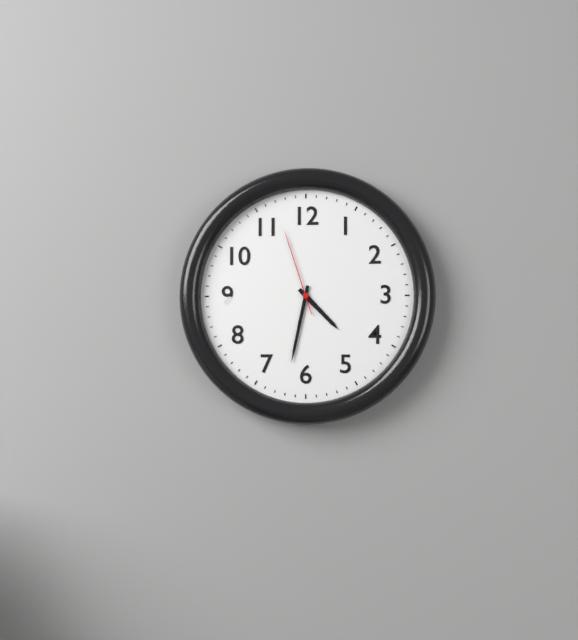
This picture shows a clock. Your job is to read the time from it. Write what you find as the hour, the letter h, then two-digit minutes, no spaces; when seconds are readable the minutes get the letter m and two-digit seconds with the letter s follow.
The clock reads 4h32m57s
